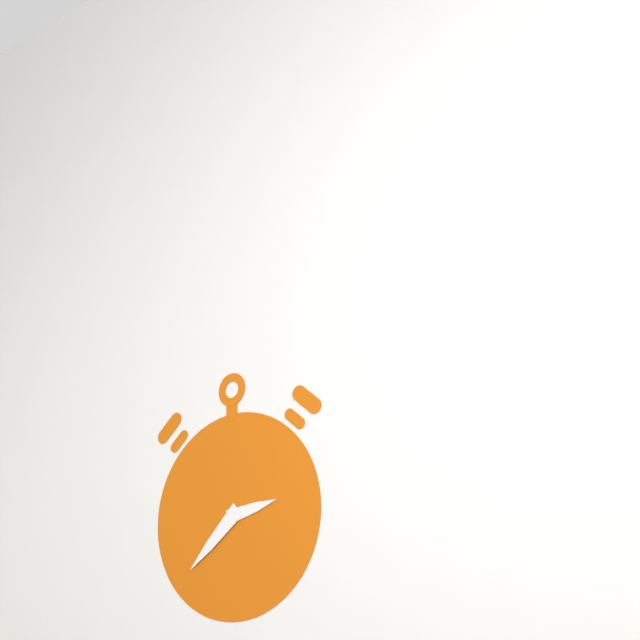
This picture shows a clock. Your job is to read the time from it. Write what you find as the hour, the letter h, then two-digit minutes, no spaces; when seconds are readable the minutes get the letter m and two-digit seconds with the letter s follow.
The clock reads 2h38
